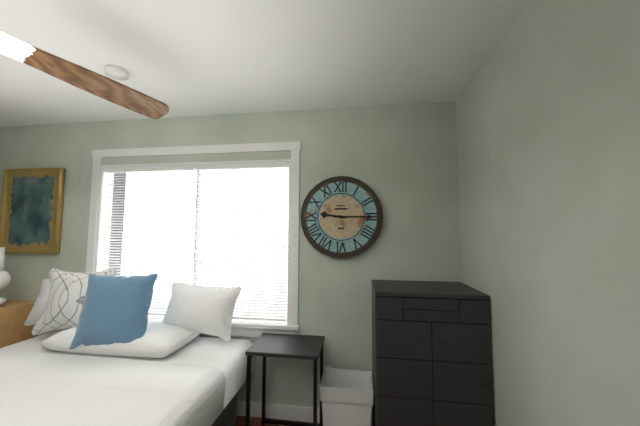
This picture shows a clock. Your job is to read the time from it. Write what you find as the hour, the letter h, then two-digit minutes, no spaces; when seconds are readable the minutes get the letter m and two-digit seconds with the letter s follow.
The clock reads 9h15
